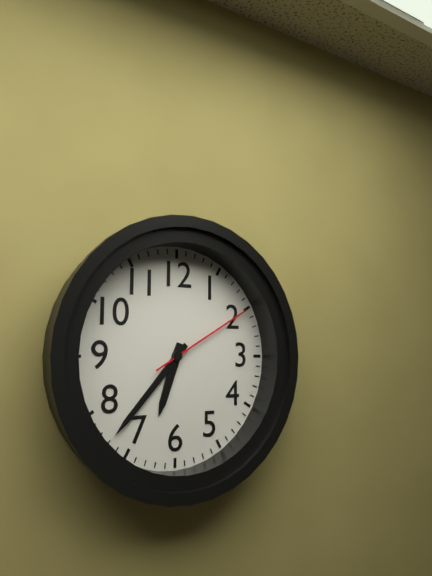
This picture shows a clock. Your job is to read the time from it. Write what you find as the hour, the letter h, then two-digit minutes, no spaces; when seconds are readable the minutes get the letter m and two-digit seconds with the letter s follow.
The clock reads 6h37m10s
